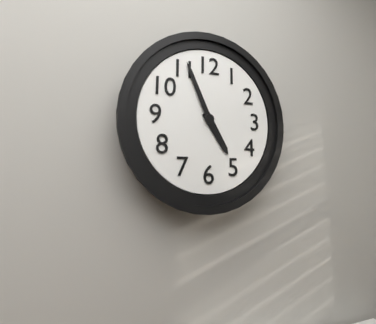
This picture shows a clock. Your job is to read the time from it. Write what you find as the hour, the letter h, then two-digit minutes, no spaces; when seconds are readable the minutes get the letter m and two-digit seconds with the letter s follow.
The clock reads 4h56
